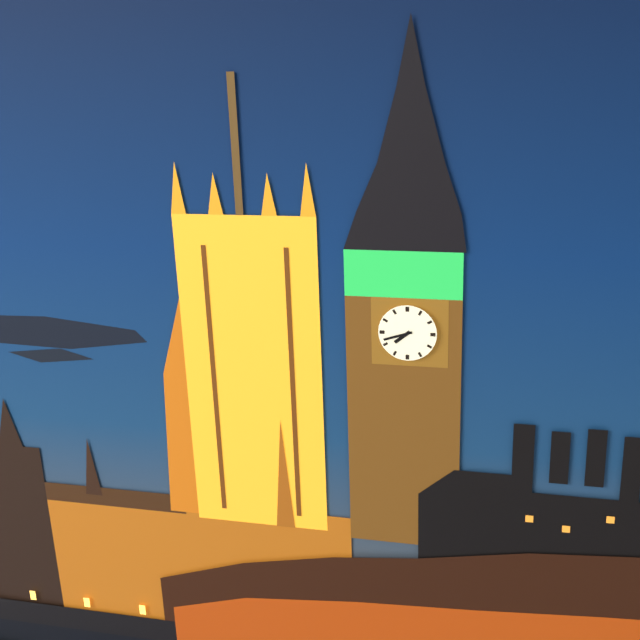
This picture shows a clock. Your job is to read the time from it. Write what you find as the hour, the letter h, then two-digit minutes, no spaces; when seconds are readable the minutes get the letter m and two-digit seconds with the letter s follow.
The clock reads 7h42
